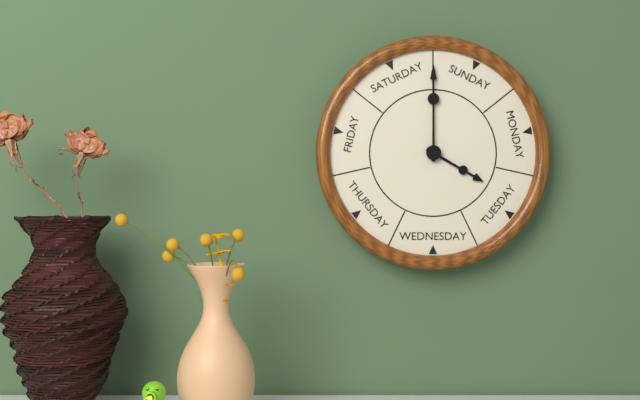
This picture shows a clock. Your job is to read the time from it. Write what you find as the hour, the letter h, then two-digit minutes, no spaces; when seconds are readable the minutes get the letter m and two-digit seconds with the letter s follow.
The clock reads 4h00
